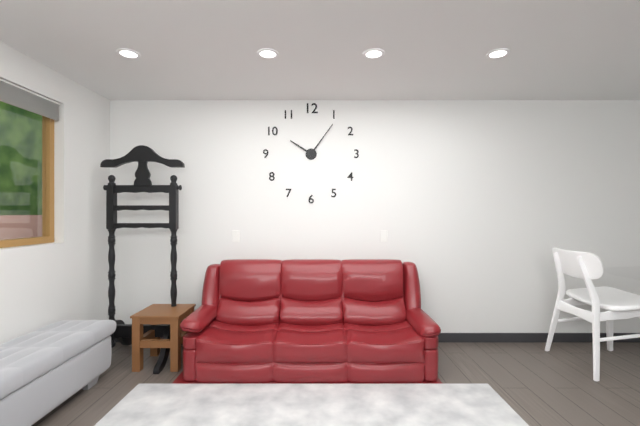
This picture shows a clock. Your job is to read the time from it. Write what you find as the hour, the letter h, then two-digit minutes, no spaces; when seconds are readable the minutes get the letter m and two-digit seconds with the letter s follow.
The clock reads 10h06
